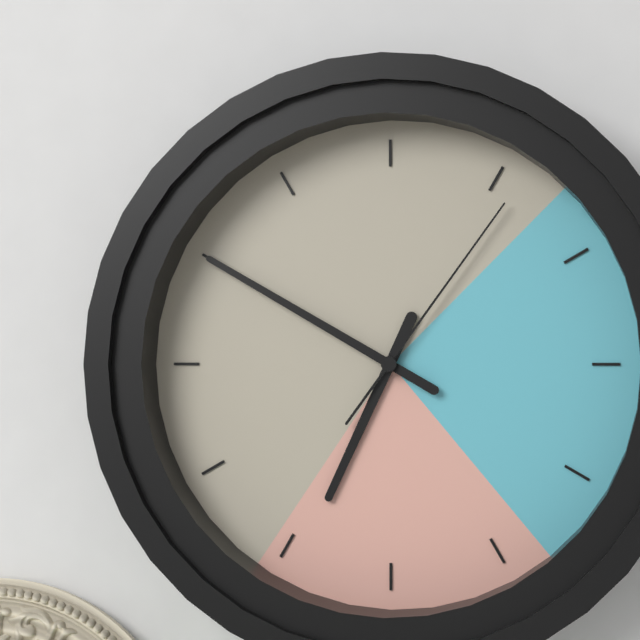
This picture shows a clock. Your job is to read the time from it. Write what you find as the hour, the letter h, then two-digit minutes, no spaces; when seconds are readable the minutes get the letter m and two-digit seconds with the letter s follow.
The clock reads 6h50m06s
